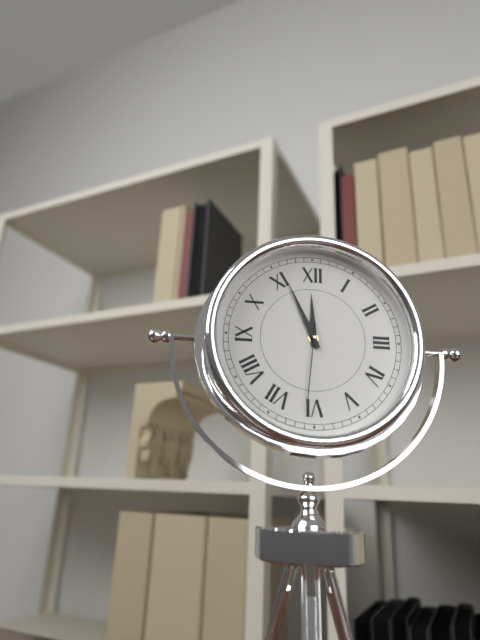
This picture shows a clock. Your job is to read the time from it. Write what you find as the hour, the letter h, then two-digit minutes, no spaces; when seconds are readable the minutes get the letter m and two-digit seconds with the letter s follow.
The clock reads 11h56m31s
